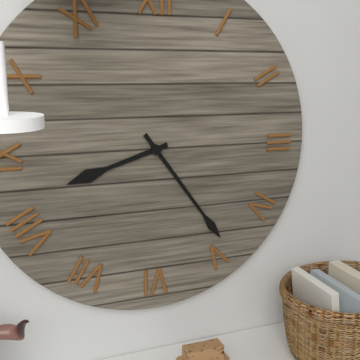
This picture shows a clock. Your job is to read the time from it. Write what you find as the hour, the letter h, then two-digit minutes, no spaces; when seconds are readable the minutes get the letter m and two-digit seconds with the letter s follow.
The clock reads 8h24
